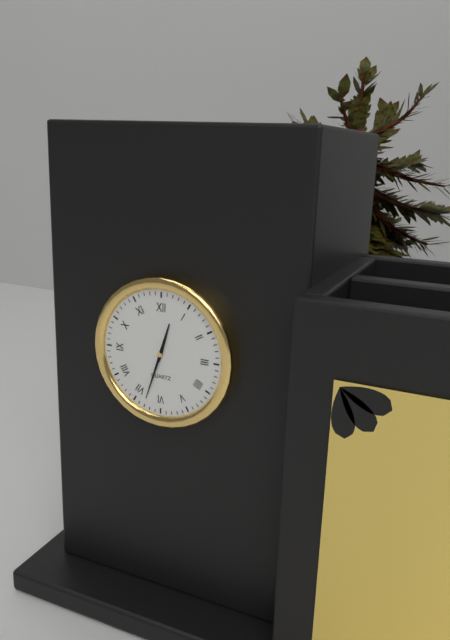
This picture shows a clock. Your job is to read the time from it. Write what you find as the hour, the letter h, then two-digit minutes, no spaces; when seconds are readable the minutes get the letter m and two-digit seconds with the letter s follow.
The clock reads 12h33
